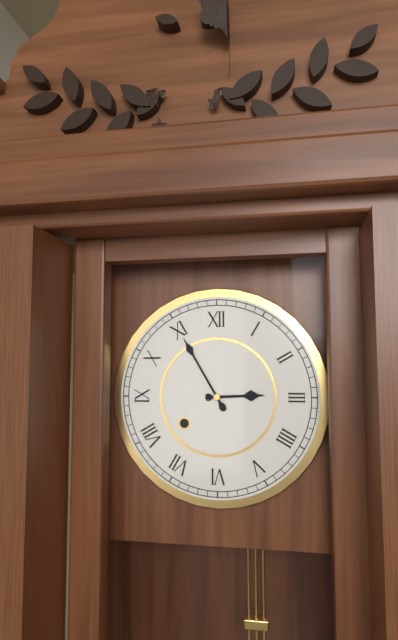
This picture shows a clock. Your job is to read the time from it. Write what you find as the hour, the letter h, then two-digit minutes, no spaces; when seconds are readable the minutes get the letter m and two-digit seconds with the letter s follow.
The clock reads 2h55
